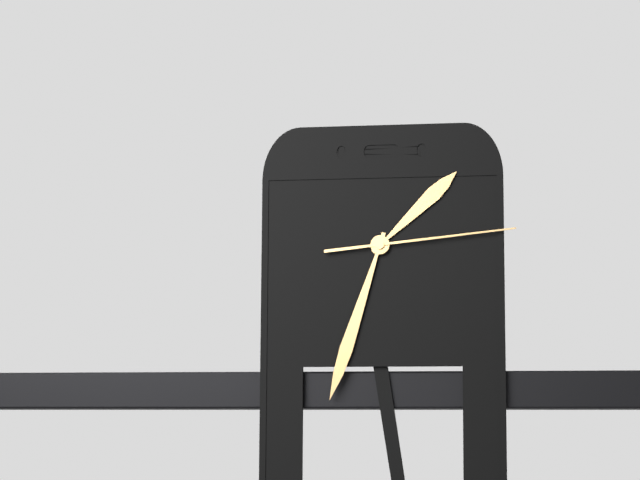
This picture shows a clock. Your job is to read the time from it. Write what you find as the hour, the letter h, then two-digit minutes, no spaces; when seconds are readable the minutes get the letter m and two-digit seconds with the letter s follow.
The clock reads 1h33m14s
